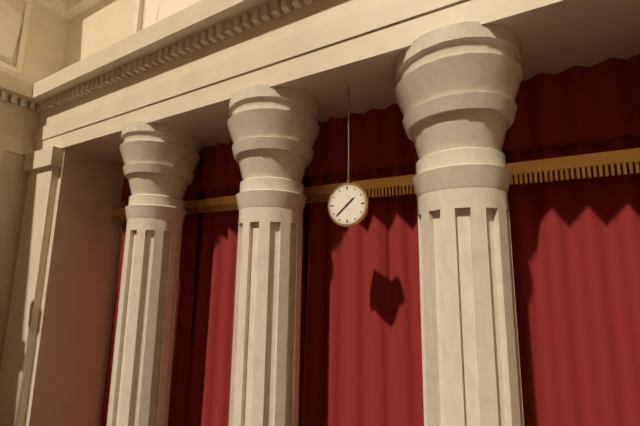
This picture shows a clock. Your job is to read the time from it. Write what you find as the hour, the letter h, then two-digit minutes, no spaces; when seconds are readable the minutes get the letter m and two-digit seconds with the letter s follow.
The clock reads 1h38
